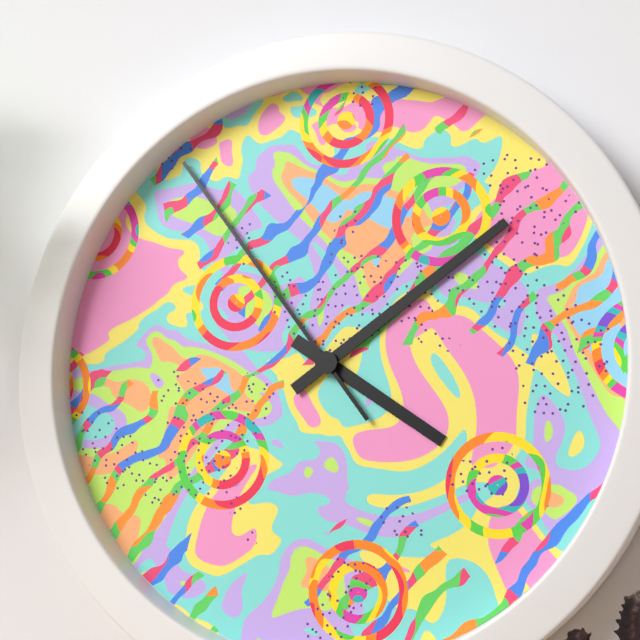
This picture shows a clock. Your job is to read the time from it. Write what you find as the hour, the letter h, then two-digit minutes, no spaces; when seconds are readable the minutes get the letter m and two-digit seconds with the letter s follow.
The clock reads 4h09m54s
